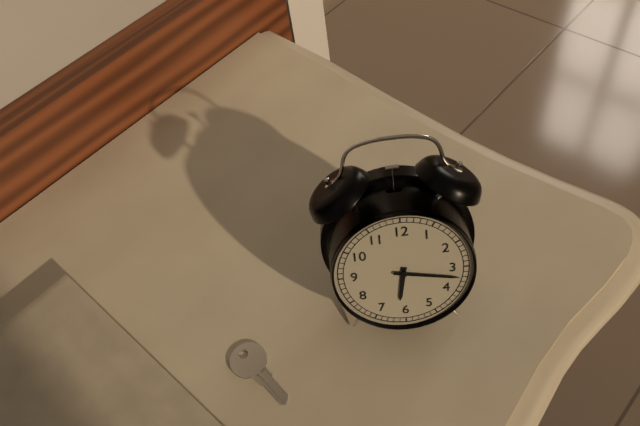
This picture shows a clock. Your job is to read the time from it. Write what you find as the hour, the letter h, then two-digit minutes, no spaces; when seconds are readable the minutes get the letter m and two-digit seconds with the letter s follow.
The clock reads 6h17
